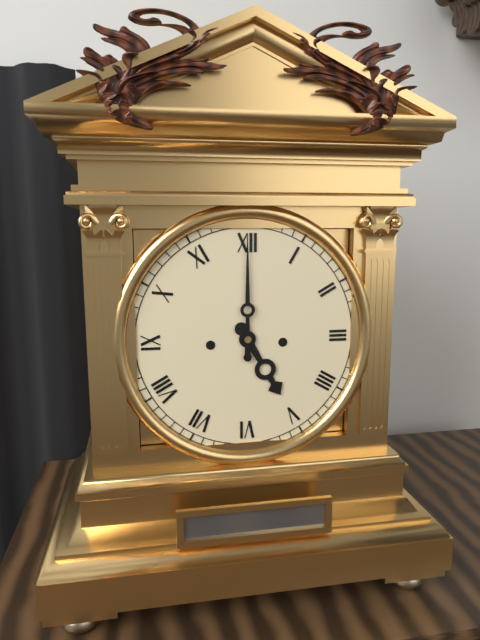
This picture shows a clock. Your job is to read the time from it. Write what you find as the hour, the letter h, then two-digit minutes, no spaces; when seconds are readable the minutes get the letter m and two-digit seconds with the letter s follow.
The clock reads 5h00
